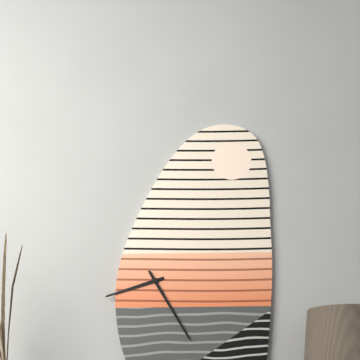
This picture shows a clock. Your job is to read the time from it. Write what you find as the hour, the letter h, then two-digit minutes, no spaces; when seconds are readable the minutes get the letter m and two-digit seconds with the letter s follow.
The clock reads 8h25
